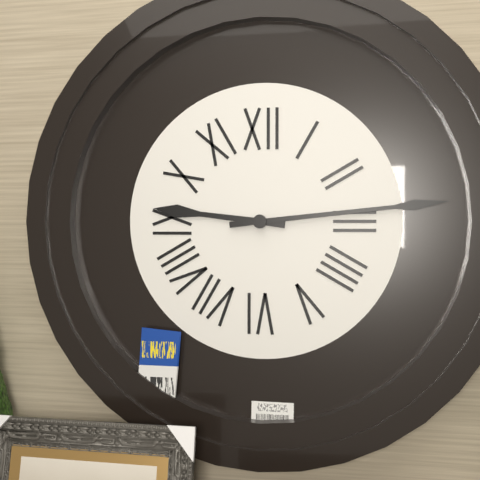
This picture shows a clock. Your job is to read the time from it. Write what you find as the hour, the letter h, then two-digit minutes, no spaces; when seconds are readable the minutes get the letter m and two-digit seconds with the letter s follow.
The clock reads 9h14
